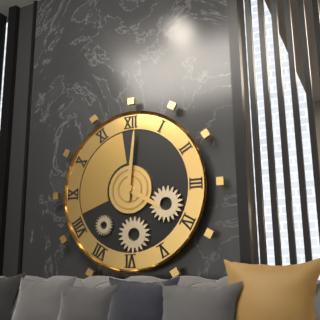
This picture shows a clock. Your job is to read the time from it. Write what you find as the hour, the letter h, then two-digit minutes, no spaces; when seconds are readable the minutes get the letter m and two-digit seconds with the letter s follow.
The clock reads 4h01
